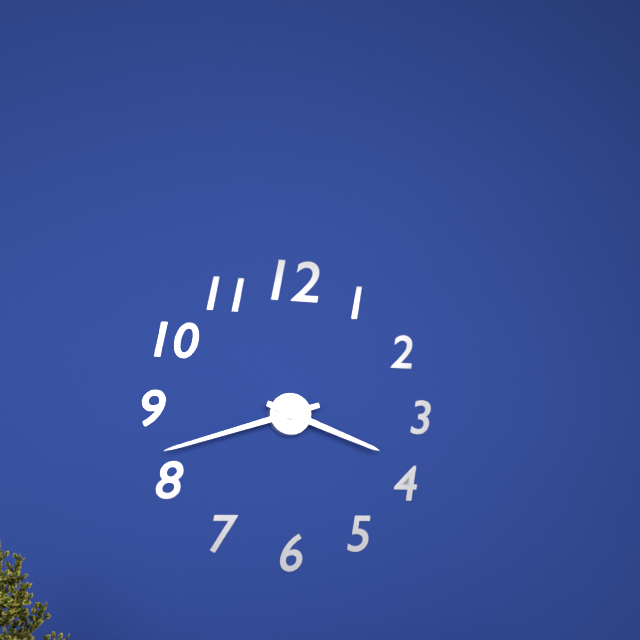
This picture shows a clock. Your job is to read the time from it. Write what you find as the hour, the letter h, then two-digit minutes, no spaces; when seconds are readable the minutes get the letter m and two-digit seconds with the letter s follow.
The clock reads 3h42
